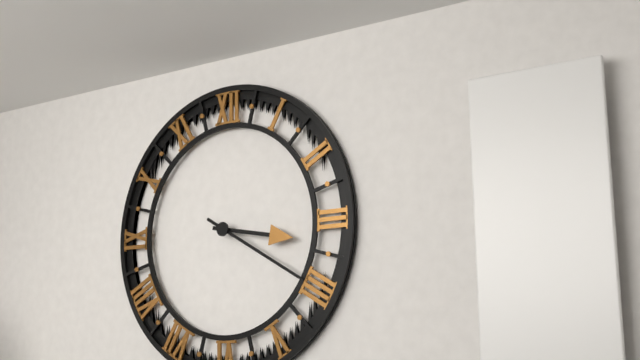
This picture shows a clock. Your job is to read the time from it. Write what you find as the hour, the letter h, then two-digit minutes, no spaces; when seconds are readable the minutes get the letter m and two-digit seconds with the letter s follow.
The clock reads 3h20
